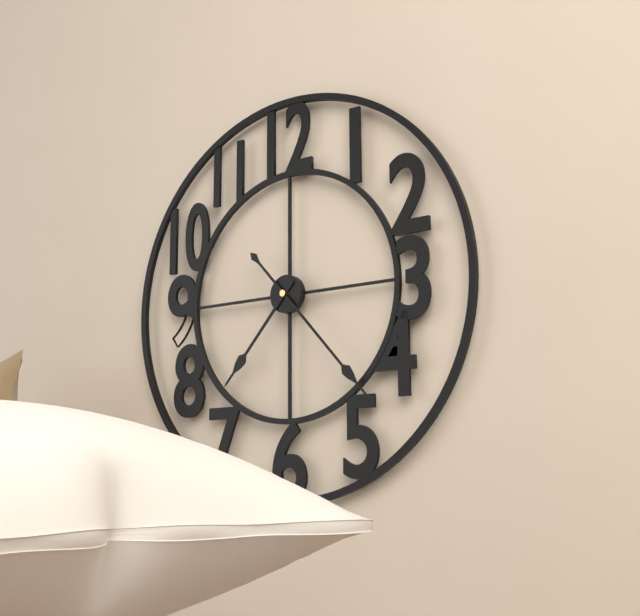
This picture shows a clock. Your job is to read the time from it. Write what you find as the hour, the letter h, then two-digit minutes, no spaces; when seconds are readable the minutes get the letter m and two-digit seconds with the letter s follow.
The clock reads 7h23
